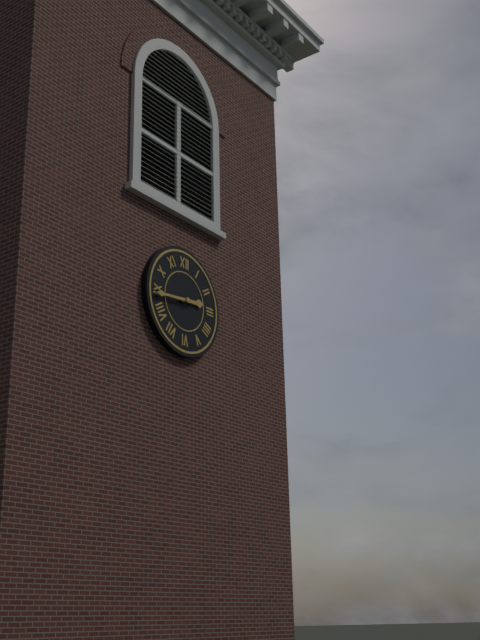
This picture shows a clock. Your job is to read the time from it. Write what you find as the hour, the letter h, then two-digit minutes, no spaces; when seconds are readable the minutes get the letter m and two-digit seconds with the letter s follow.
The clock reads 2h44
